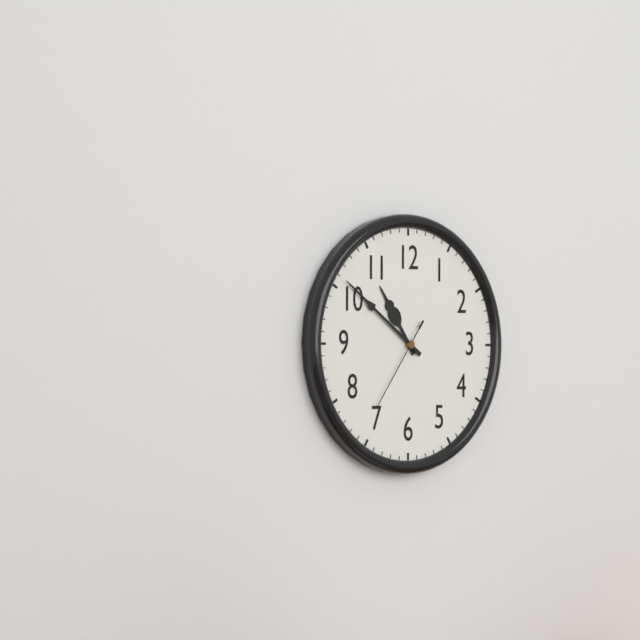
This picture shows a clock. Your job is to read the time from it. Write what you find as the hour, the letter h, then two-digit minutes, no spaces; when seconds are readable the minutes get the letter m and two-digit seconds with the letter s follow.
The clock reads 10h51m36s
